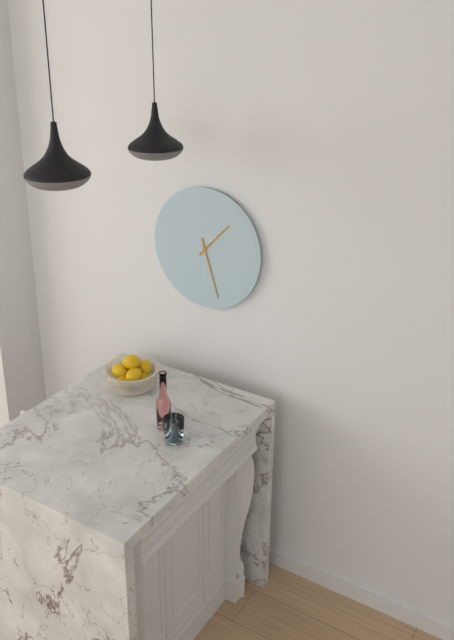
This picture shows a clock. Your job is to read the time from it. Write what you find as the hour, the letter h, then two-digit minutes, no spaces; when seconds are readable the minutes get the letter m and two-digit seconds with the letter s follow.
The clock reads 1h27
